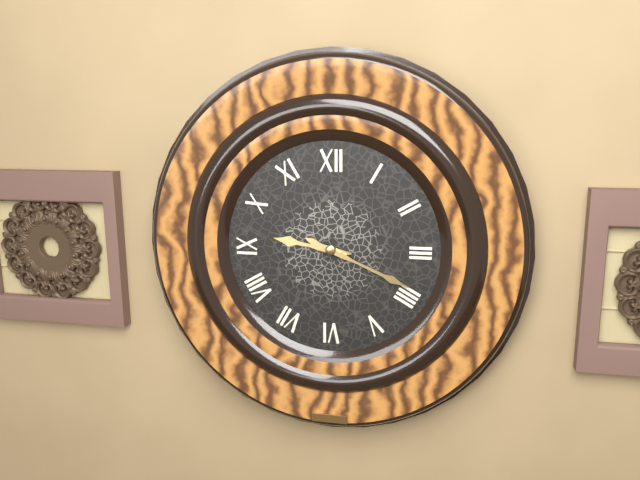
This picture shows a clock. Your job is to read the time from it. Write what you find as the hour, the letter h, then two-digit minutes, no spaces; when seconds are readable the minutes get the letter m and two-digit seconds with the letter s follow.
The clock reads 9h19
